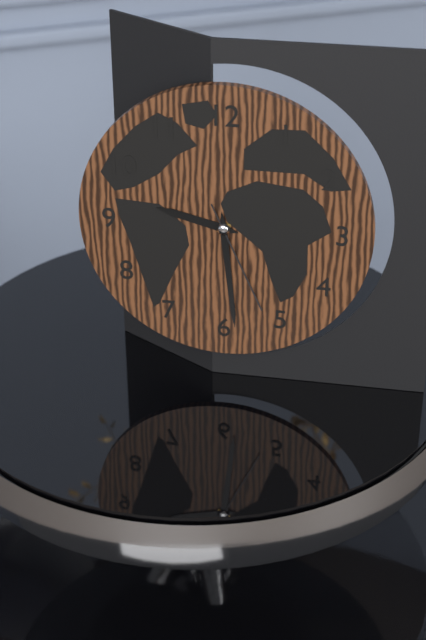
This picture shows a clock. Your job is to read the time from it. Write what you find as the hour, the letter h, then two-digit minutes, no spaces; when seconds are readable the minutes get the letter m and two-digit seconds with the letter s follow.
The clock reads 9h29m26s
